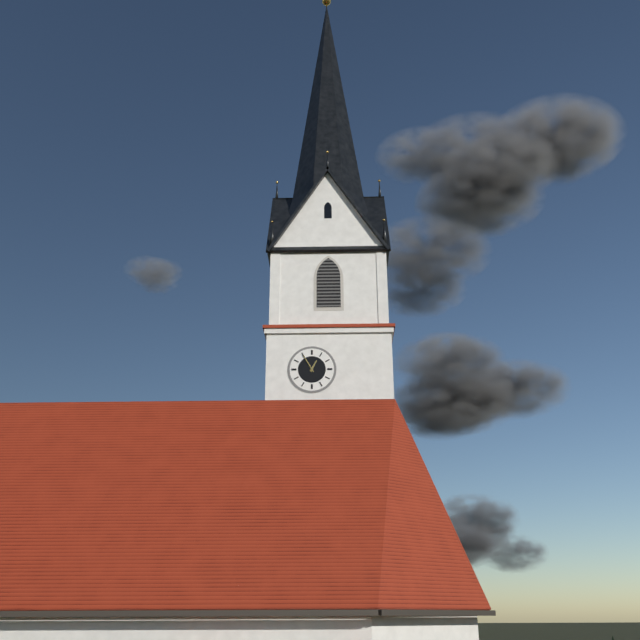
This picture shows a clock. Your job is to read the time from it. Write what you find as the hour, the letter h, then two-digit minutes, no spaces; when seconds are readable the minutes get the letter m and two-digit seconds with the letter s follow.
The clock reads 12h55
